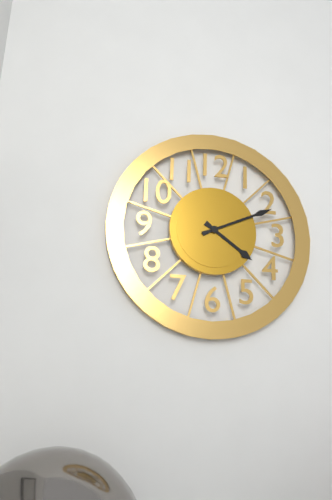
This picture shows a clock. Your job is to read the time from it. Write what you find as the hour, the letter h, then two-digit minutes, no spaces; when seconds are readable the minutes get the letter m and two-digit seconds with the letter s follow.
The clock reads 4h11
